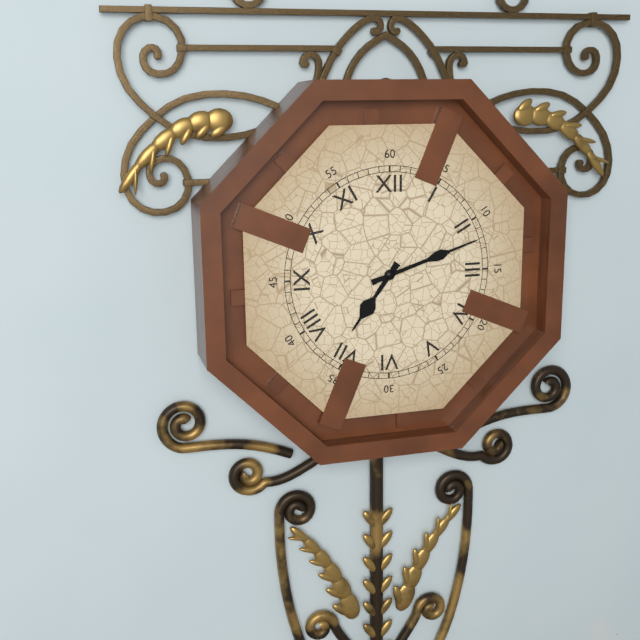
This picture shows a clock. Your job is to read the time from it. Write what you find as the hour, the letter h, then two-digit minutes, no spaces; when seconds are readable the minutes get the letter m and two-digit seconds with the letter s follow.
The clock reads 7h12
